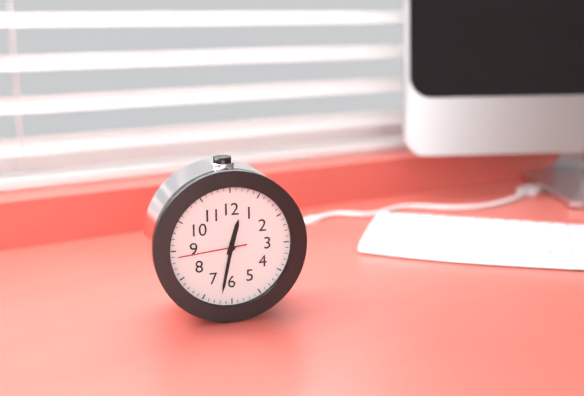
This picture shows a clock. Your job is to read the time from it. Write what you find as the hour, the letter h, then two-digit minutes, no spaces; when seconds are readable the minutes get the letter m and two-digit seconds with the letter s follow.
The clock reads 12h32m44s
